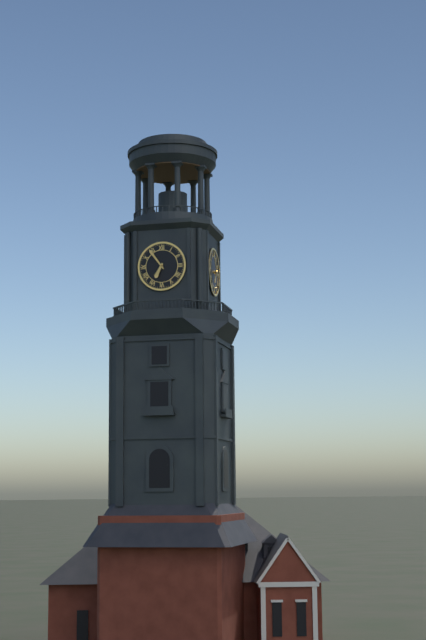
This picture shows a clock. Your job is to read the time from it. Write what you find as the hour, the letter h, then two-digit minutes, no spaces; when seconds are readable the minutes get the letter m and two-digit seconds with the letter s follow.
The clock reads 6h54
